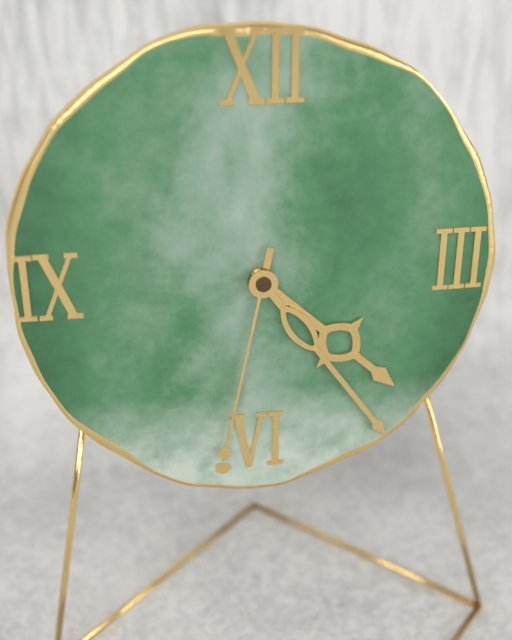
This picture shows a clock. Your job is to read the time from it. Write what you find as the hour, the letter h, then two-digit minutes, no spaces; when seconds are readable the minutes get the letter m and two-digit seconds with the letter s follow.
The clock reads 4h24m32s
